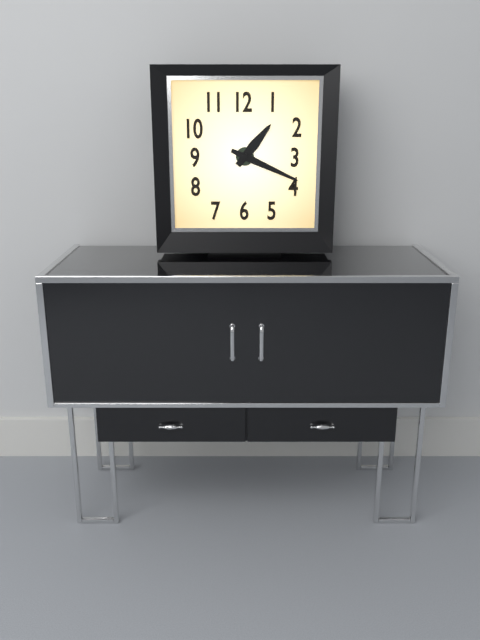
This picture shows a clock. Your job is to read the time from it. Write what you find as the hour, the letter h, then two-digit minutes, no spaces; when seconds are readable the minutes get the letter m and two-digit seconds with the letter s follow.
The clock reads 1h19
